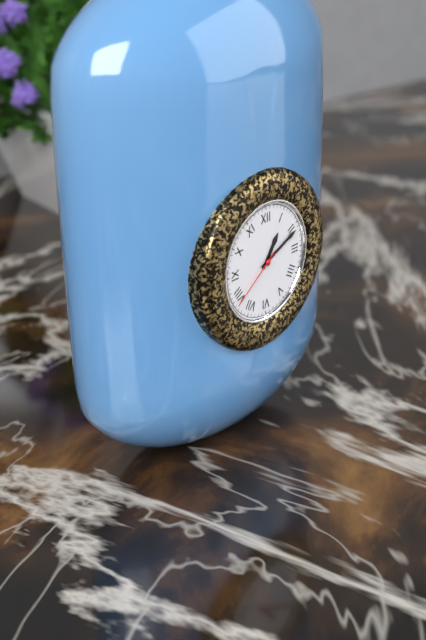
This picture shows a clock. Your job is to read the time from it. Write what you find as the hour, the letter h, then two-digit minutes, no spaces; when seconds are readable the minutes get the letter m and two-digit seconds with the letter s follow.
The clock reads 1h11m39s
